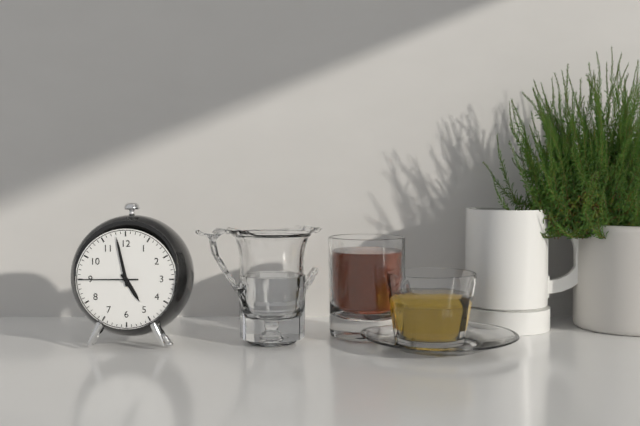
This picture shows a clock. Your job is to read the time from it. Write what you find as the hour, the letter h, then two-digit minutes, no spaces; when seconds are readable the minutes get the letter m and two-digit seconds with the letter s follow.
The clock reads 4h58m45s
